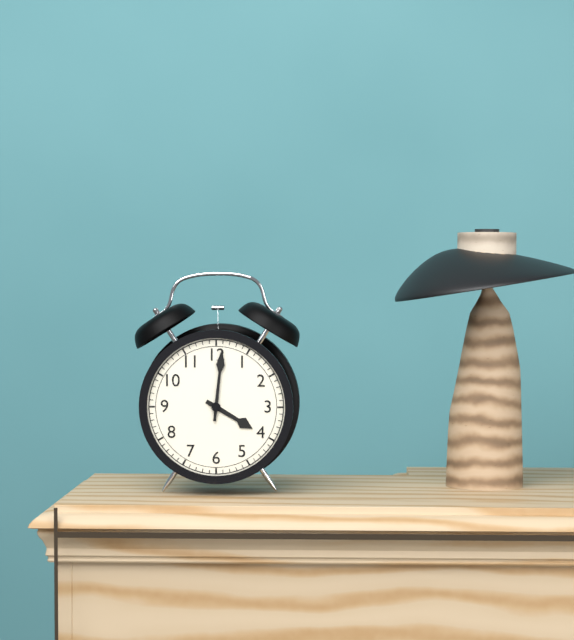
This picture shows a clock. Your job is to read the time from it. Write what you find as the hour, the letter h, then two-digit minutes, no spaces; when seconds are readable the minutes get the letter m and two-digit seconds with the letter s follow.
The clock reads 4h01
